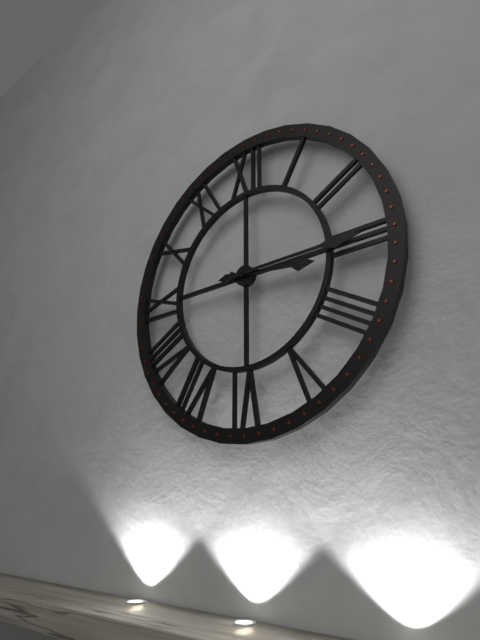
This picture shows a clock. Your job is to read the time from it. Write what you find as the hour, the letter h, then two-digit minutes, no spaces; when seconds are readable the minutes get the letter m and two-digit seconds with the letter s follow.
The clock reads 3h15
